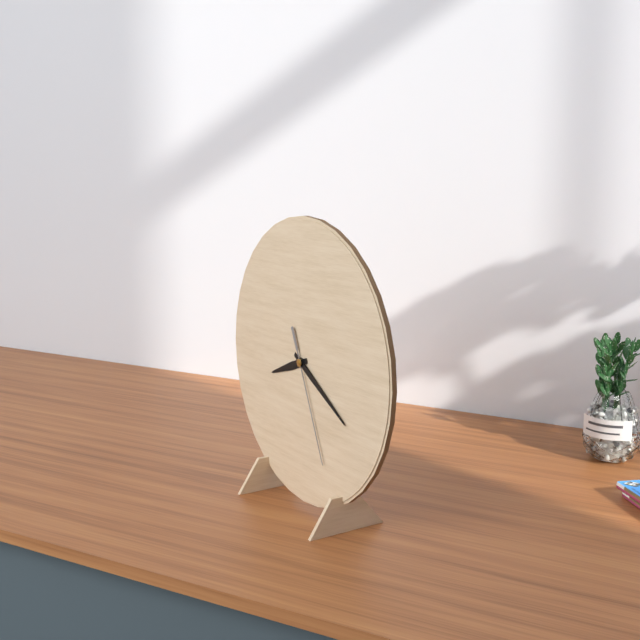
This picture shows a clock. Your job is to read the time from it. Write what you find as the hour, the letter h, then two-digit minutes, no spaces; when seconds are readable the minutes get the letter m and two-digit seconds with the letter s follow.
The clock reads 8h20m26s
